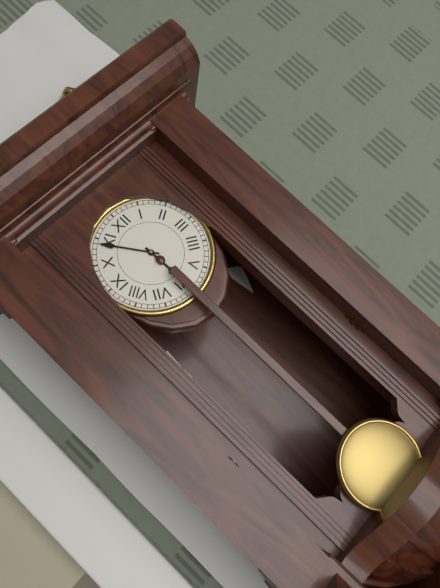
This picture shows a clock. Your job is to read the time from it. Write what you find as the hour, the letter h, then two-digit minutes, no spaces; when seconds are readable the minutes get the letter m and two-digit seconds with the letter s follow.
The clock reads 5h54
